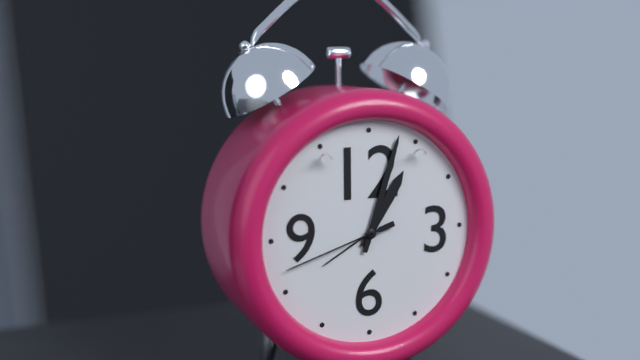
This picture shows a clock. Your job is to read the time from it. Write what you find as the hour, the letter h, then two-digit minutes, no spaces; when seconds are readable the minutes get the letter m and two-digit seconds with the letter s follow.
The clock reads 1h03m42s
